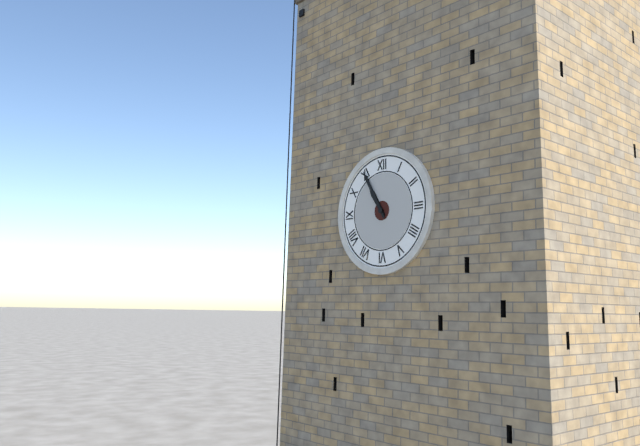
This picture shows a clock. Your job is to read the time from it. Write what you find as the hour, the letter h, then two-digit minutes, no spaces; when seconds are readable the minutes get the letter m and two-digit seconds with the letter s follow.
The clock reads 10h55
